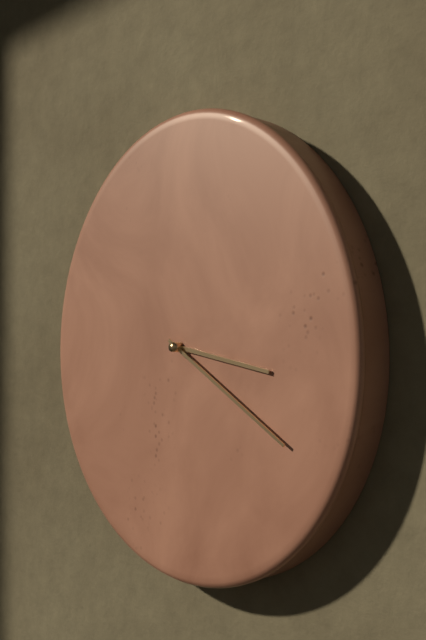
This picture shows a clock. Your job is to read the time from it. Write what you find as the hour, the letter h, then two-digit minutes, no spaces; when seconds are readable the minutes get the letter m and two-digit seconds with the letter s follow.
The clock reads 3h20
